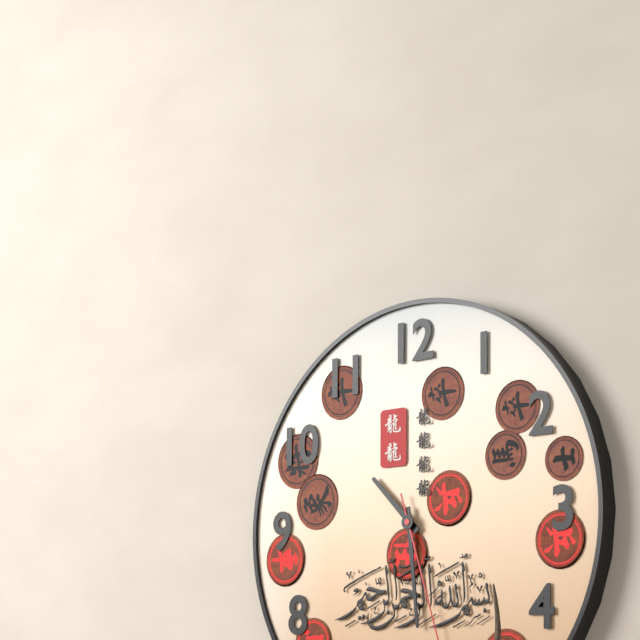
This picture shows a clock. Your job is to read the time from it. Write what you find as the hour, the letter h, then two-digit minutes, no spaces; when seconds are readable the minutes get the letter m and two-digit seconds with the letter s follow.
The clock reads 10h29
